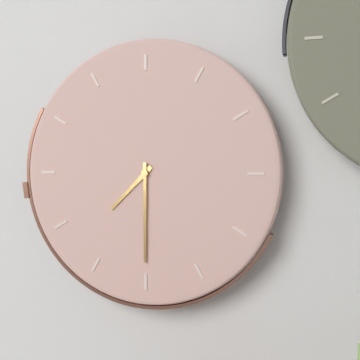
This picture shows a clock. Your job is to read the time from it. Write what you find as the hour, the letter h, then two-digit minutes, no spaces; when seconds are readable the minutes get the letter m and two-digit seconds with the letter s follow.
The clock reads 7h30
